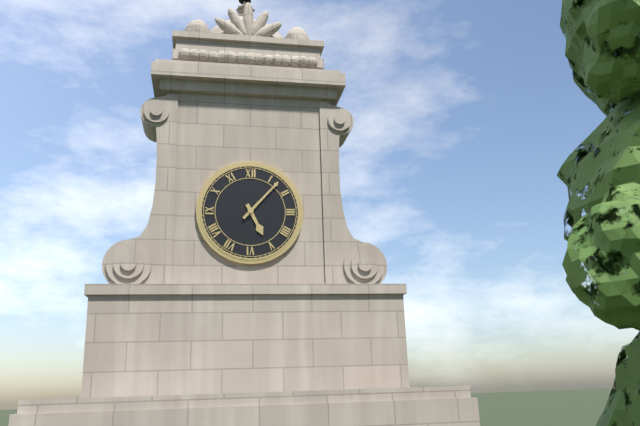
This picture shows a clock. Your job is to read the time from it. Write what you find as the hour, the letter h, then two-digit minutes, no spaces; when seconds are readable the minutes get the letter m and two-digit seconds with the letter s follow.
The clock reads 5h07
